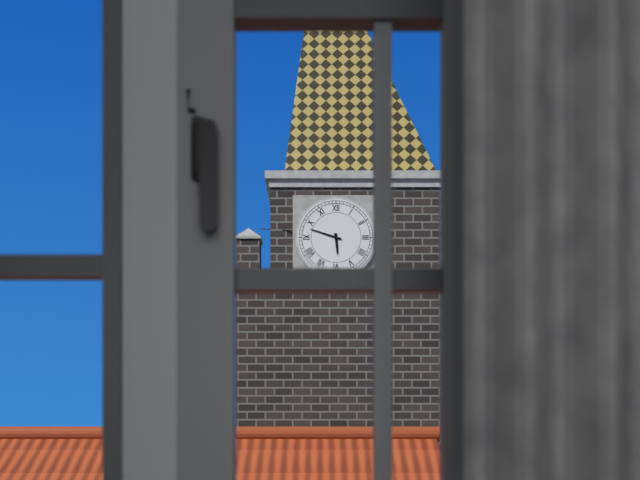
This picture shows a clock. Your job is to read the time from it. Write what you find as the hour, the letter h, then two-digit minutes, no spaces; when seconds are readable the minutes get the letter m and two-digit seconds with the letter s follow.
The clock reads 5h48
